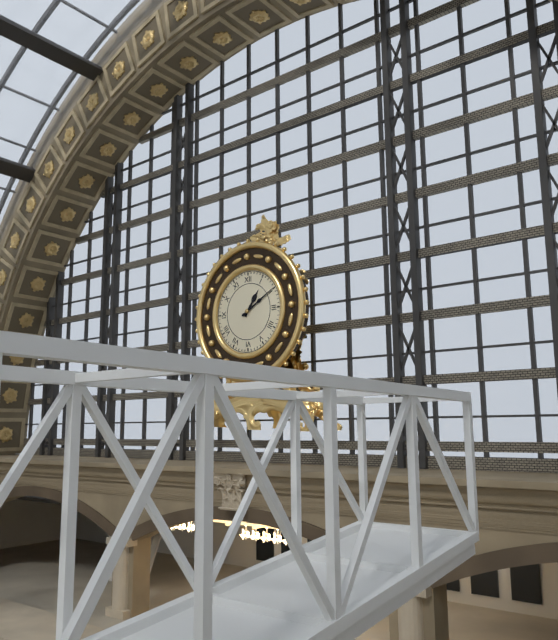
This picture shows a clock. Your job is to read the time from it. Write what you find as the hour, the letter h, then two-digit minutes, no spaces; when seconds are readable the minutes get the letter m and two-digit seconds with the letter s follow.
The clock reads 1h10
